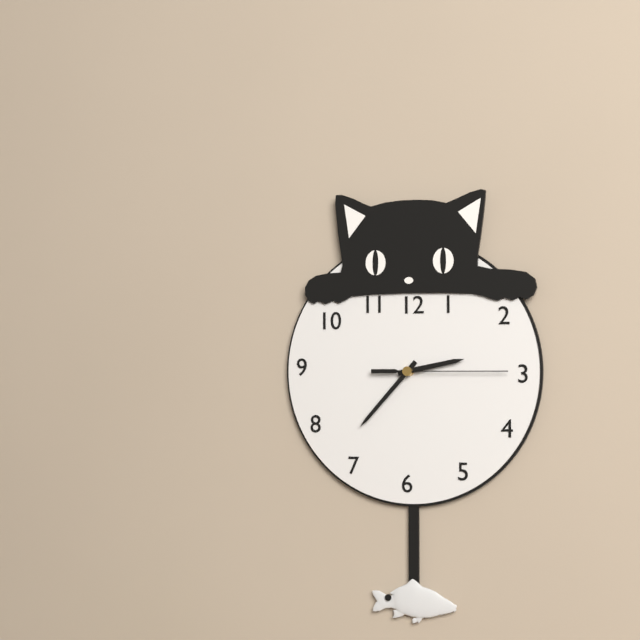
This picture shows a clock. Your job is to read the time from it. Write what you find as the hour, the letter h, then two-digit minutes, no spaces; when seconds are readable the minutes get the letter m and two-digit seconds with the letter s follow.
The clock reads 2h37m15s
